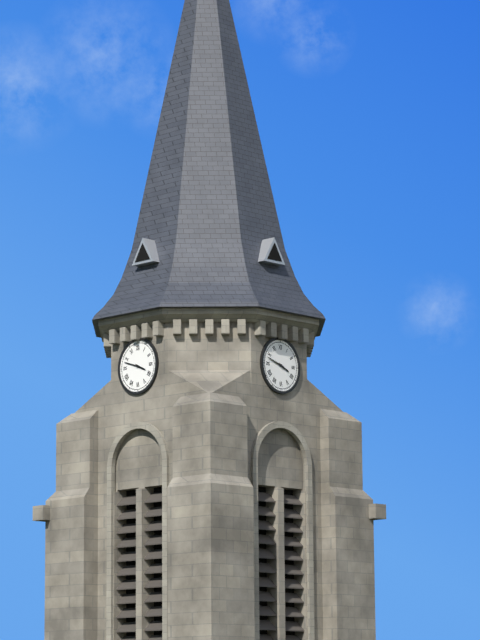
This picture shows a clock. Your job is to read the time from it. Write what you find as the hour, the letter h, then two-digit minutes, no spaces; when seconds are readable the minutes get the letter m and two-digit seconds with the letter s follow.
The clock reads 3h48
